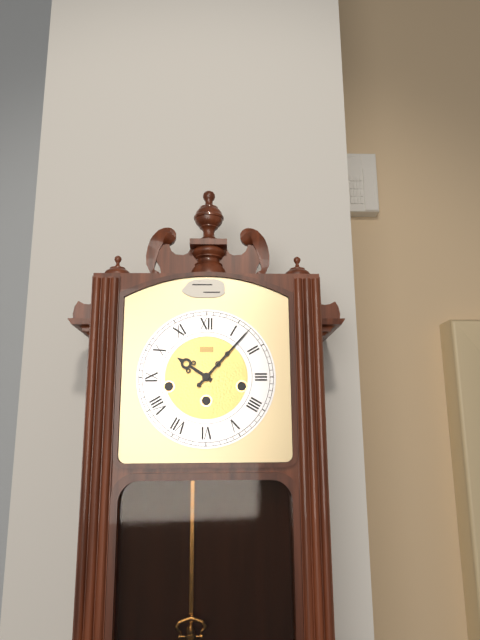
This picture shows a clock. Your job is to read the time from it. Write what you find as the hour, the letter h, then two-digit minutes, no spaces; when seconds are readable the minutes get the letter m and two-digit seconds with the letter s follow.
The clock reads 10h07
